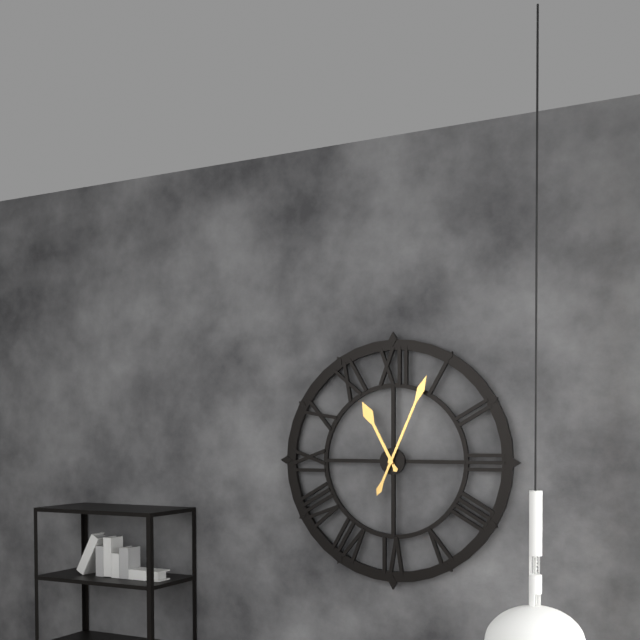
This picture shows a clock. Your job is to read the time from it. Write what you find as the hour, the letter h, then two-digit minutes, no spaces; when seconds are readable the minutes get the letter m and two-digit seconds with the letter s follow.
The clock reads 11h04
